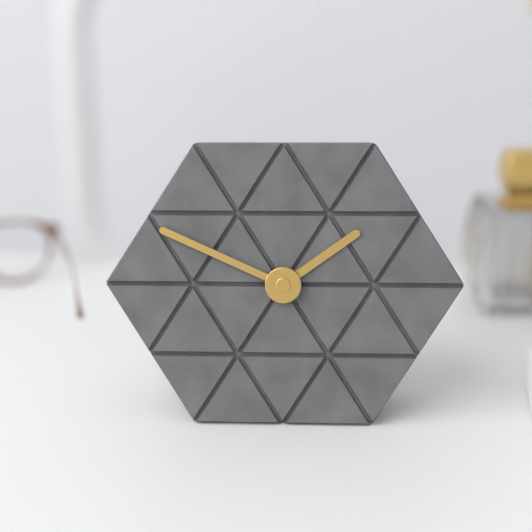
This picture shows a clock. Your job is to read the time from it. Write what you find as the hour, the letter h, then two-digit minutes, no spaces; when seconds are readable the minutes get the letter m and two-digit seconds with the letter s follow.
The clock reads 1h49
